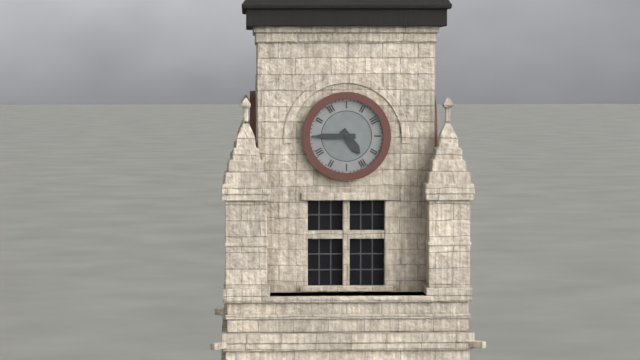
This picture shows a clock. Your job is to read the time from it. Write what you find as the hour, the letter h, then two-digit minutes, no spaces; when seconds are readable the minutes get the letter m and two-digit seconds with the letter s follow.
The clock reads 4h45
